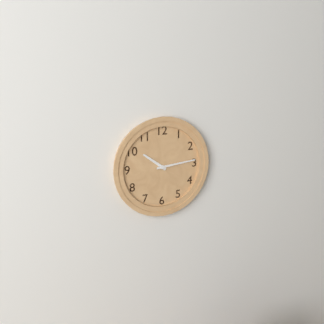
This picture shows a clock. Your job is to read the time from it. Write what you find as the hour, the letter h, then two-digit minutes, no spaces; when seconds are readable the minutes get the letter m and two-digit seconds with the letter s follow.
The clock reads 10h14
